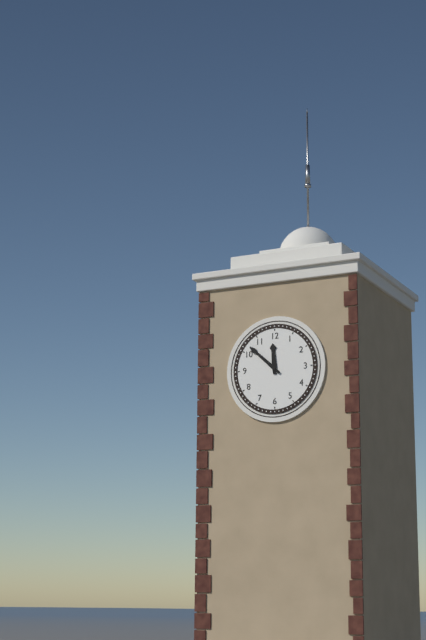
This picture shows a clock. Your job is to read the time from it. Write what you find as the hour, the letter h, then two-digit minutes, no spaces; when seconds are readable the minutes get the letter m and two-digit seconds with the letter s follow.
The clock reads 11h52
